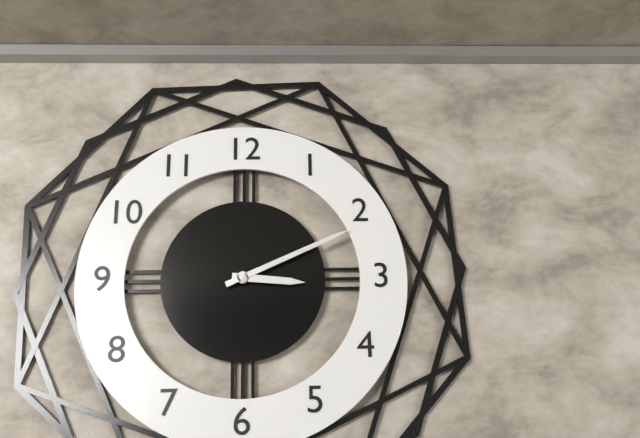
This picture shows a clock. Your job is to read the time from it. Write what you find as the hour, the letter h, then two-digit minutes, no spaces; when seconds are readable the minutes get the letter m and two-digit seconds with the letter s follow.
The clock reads 3h11
